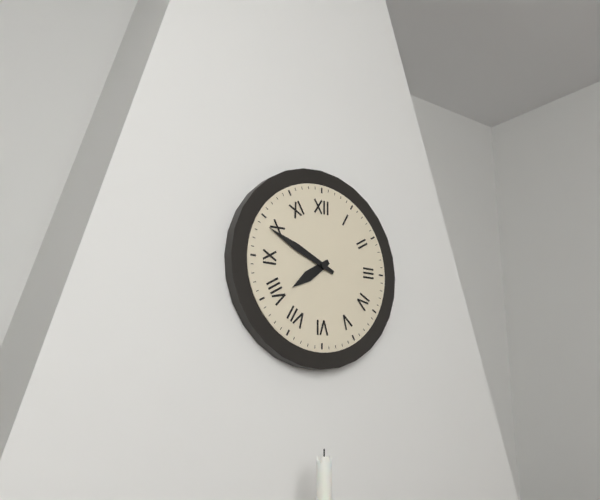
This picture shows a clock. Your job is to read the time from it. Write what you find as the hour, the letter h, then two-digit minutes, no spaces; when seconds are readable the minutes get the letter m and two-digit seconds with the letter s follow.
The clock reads 7h49
